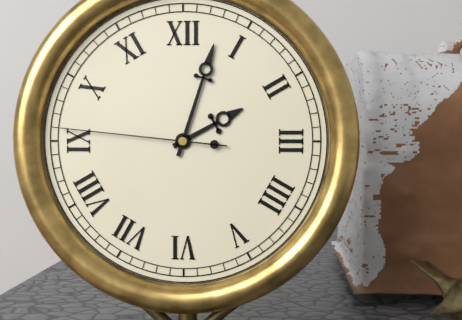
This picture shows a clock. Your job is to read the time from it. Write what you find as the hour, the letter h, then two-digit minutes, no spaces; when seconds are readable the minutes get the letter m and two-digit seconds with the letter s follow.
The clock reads 2h03m46s
